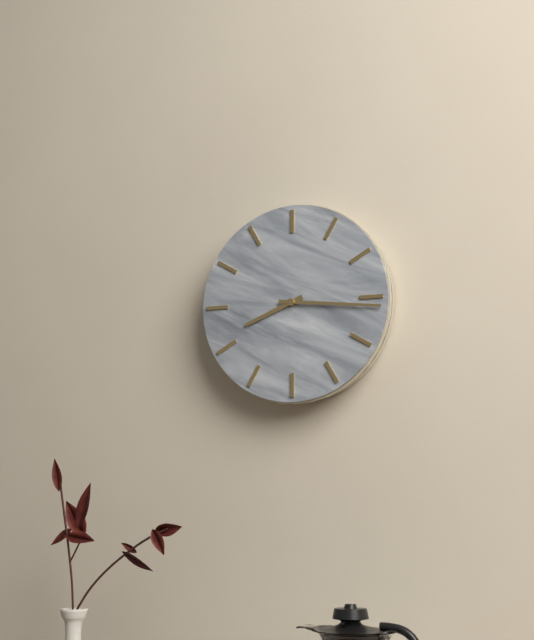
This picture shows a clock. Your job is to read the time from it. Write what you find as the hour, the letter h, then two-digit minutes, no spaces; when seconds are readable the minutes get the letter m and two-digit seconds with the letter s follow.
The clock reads 8h16
